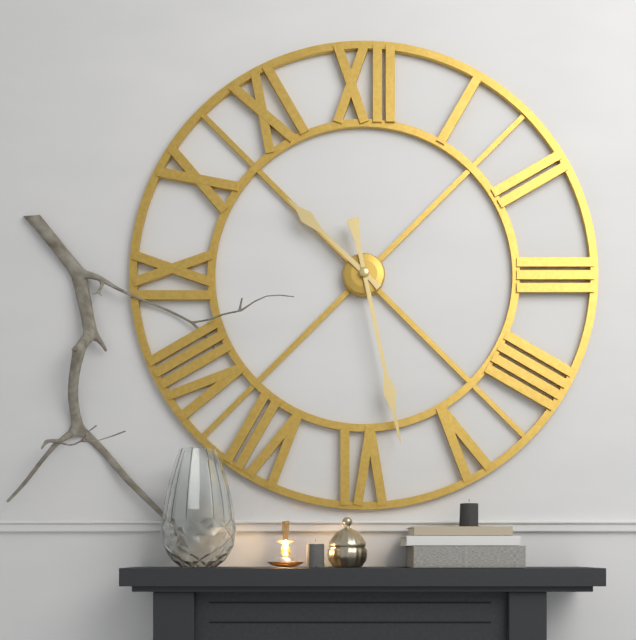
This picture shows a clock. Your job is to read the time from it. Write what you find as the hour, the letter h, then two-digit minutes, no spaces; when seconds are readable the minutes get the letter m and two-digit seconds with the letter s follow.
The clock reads 10h28
